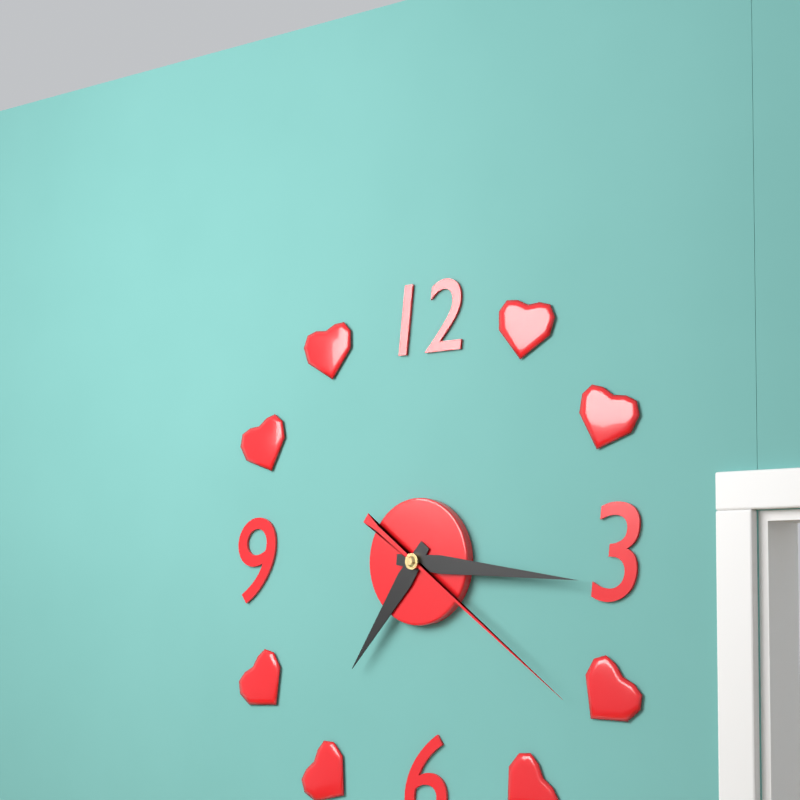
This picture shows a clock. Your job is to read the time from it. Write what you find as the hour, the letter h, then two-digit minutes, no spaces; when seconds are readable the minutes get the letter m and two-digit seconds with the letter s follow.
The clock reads 7h16m21s
